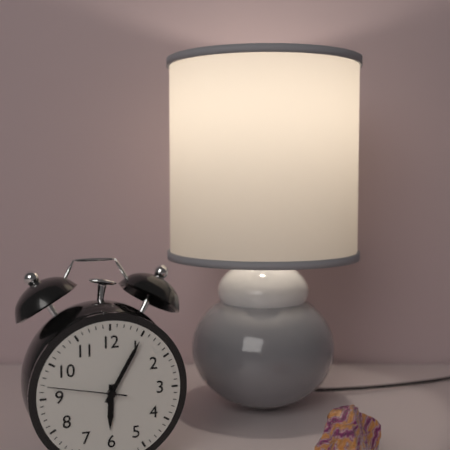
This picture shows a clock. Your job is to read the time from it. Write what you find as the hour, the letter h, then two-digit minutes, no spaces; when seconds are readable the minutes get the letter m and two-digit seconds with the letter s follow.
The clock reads 6h05m47s
